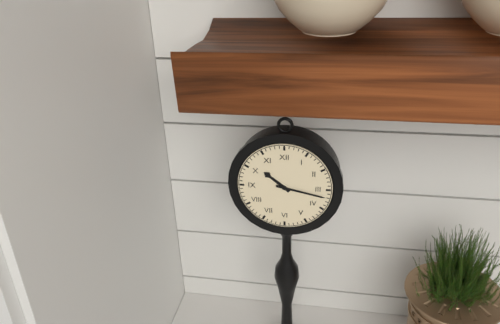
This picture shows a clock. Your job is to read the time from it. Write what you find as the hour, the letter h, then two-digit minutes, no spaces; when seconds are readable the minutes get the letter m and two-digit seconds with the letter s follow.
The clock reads 10h17
